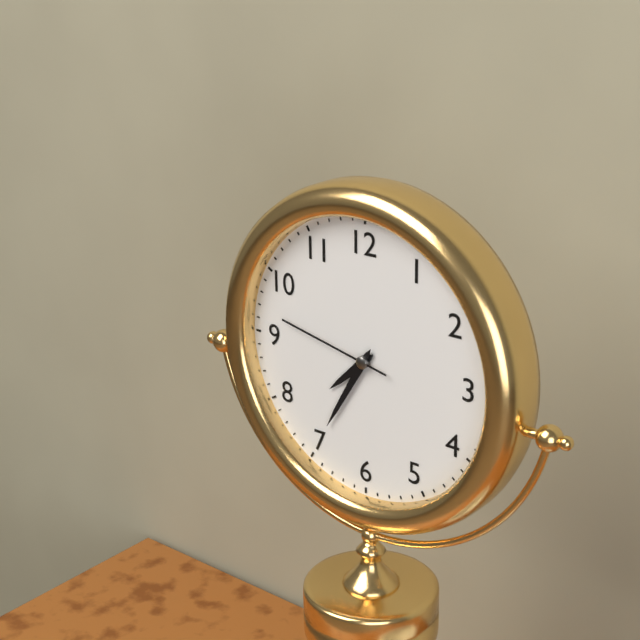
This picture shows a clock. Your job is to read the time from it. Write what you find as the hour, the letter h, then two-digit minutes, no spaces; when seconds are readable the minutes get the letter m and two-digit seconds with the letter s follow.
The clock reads 7h35m47s
